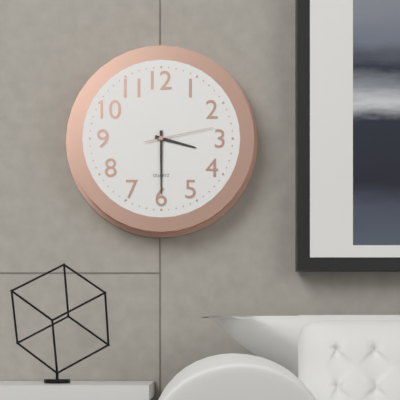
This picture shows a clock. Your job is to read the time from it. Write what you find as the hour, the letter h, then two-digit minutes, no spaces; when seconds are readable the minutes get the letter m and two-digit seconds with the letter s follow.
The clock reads 3h30m13s
